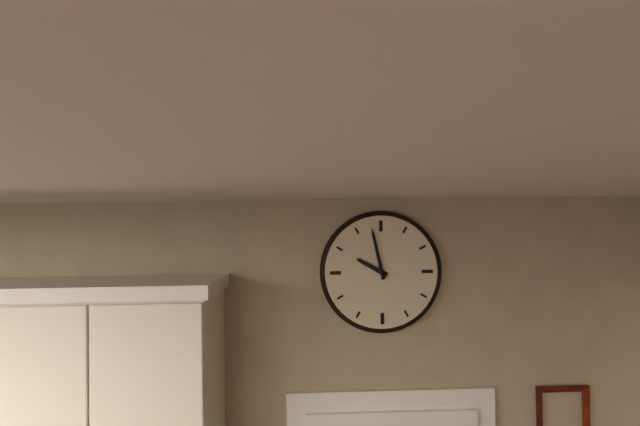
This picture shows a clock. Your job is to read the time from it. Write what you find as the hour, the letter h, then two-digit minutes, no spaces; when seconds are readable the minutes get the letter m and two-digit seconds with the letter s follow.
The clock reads 9h58
